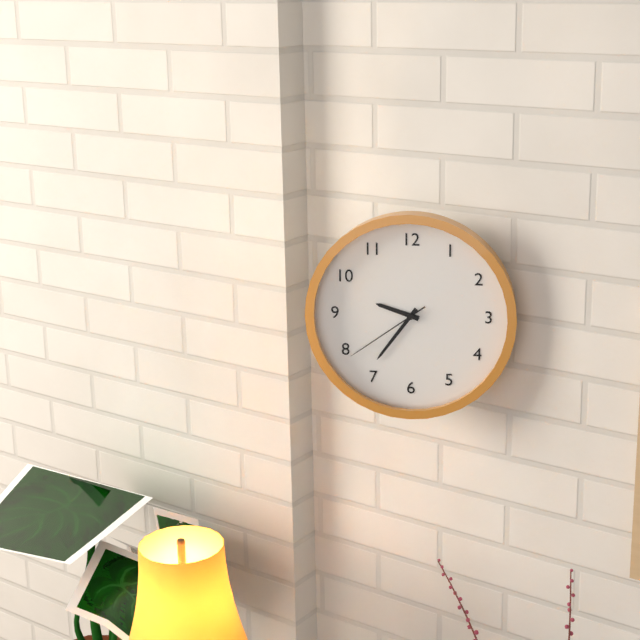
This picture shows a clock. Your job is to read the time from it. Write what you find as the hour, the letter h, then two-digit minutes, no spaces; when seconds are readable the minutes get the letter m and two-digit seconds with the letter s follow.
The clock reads 9h36m39s
